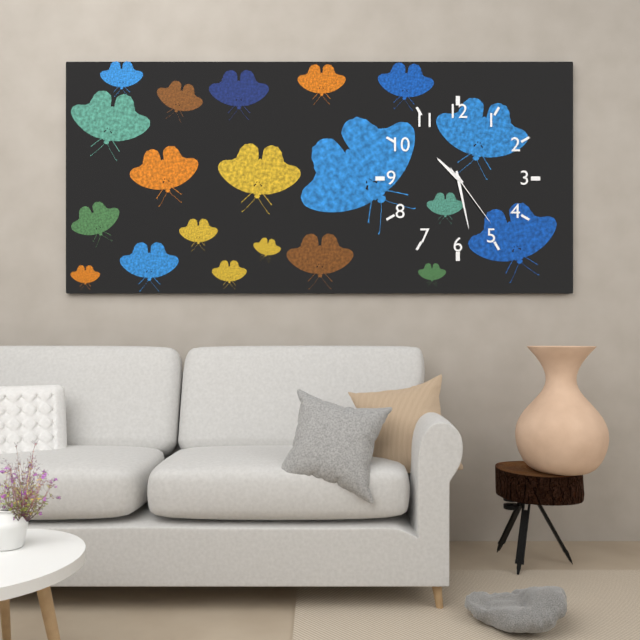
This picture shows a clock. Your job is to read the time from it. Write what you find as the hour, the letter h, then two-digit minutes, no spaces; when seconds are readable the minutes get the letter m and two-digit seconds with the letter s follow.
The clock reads 10h28m24s
